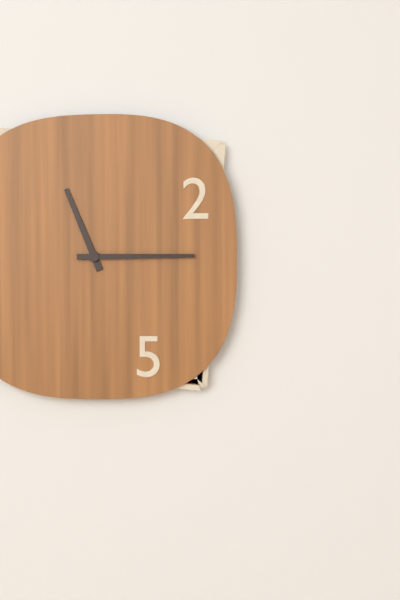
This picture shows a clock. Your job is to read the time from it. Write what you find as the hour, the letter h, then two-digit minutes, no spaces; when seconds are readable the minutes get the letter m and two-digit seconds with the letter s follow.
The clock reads 11h15
